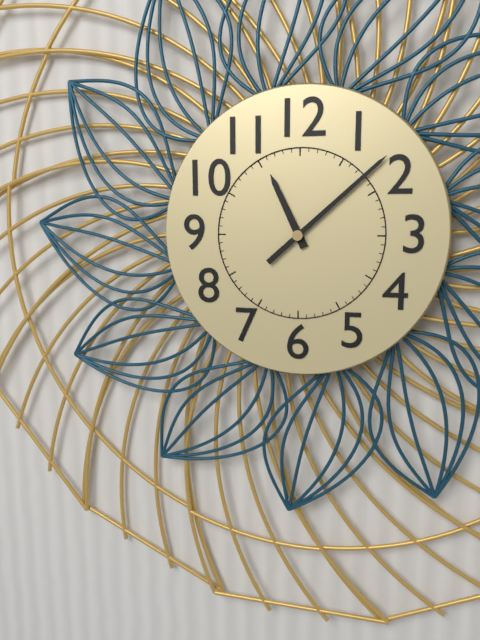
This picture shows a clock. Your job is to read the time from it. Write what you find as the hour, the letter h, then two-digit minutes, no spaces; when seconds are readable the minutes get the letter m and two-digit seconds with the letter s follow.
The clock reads 11h08
